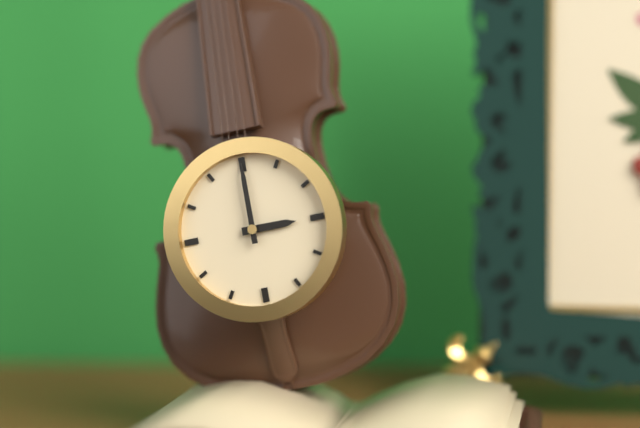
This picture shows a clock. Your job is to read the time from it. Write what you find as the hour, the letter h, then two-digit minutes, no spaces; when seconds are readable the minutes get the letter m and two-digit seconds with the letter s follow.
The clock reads 3h00
